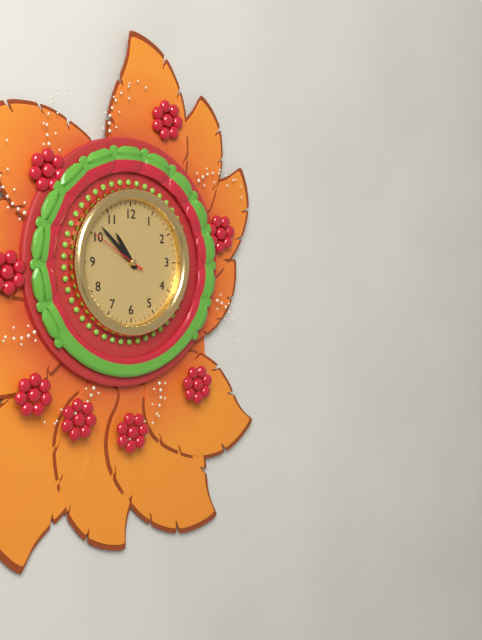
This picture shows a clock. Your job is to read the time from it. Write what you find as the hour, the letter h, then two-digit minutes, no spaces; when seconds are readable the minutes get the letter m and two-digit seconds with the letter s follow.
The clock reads 10h52m50s
